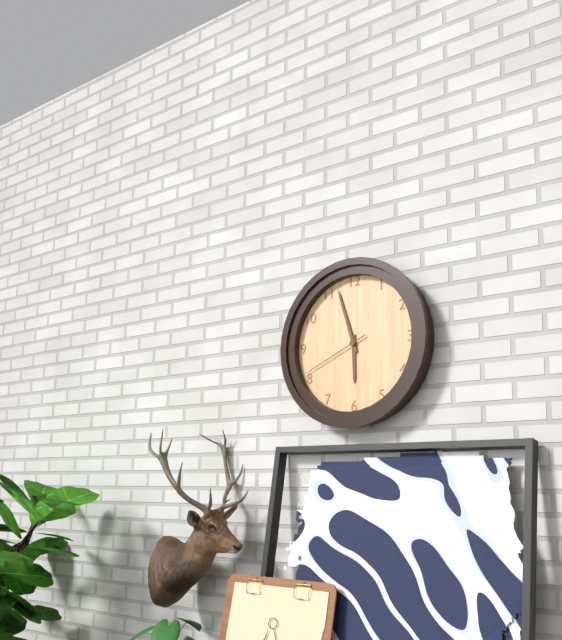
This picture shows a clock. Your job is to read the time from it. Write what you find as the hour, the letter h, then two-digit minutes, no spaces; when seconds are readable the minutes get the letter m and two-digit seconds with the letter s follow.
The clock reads 5h57m41s
